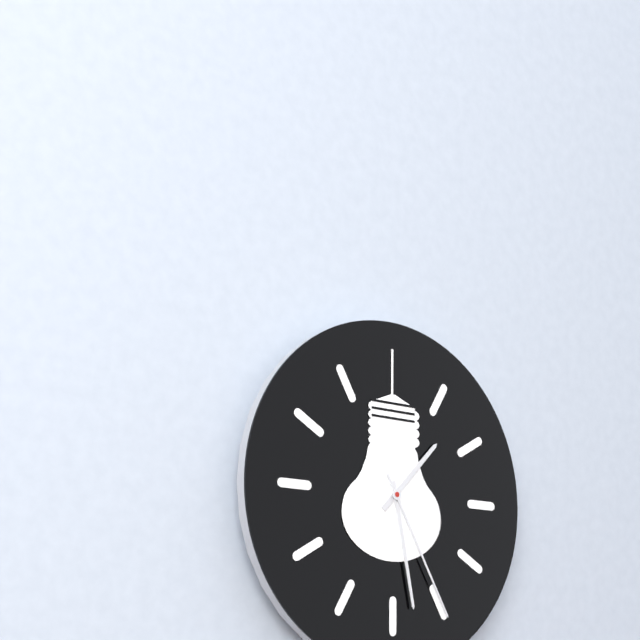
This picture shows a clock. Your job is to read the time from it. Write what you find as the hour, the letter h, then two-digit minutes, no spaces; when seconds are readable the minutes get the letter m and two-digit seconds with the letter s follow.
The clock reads 1h28m25s
